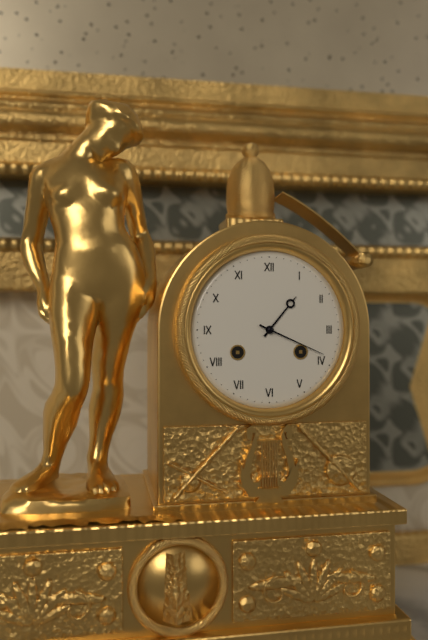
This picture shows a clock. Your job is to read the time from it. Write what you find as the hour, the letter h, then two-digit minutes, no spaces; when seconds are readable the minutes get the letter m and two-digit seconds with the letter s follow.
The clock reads 1h19
